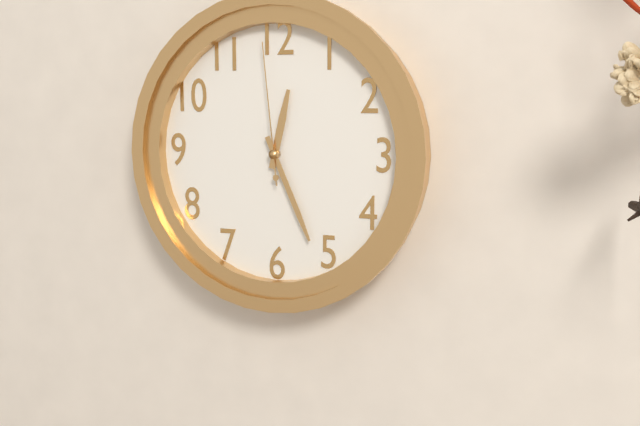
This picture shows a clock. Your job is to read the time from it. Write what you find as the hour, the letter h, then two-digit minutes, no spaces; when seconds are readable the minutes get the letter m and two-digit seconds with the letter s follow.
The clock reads 12h26m59s
